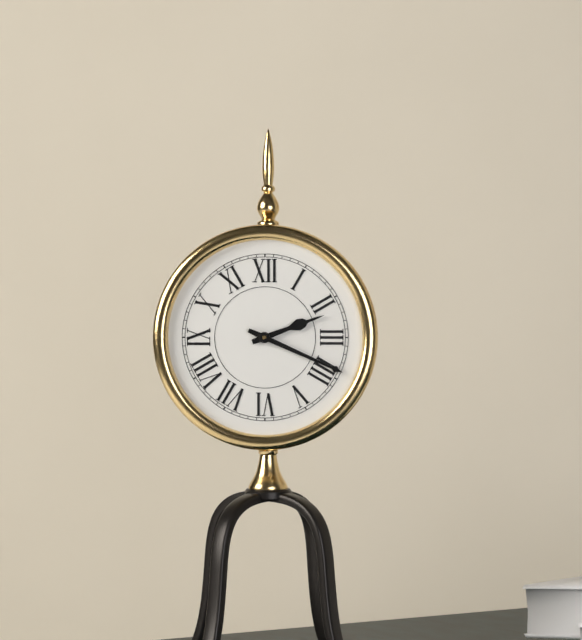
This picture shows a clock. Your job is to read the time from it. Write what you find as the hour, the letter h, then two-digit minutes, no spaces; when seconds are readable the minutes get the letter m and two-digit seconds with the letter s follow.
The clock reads 2h19
